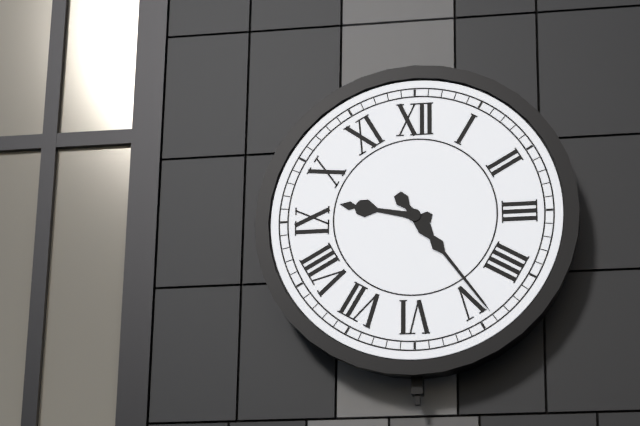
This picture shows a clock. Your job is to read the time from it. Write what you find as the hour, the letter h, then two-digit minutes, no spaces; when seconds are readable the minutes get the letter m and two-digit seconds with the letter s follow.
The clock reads 9h24
